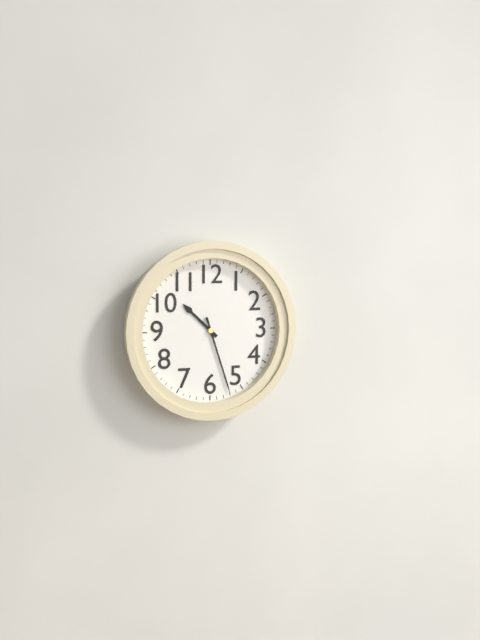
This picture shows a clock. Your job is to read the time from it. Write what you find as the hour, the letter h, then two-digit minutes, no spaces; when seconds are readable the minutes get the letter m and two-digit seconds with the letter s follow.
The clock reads 10h27
